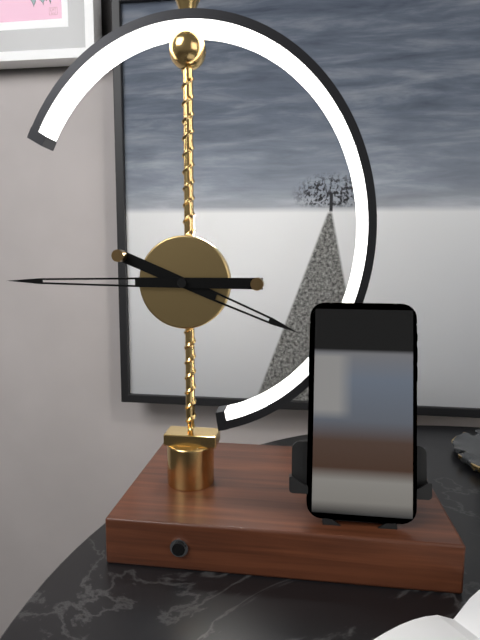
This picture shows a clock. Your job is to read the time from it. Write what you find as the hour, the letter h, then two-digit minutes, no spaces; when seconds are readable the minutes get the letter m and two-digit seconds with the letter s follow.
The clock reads 3h45
